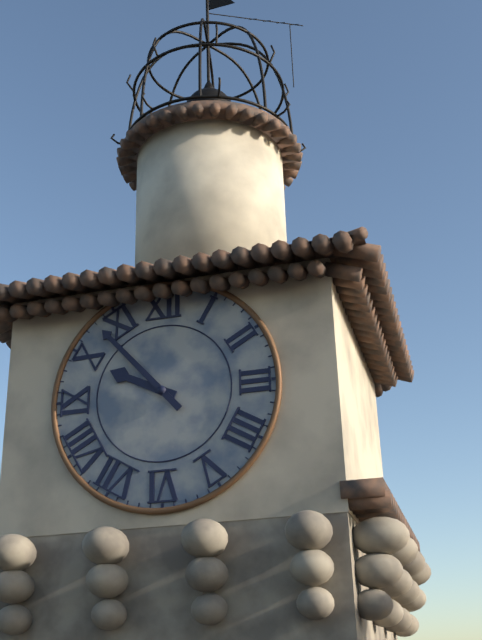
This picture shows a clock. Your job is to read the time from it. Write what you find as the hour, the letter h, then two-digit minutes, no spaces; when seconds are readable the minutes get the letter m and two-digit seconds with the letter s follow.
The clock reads 9h53
